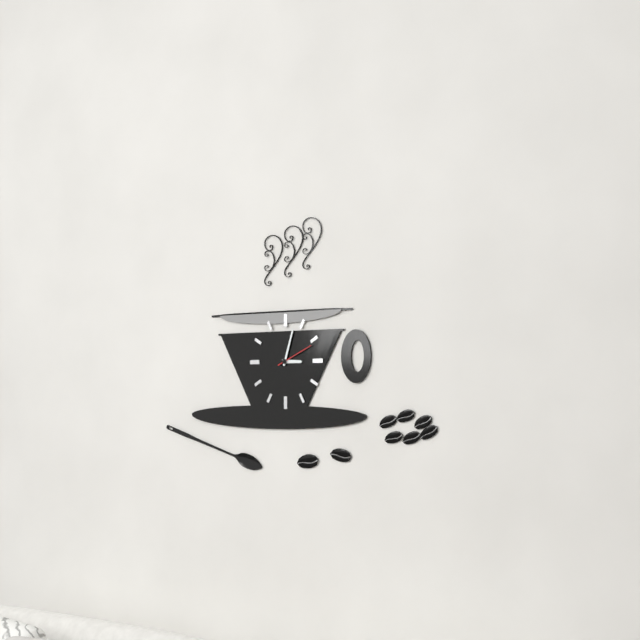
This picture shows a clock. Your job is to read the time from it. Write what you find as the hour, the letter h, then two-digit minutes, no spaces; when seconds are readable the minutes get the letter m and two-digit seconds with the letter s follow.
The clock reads 3h03
